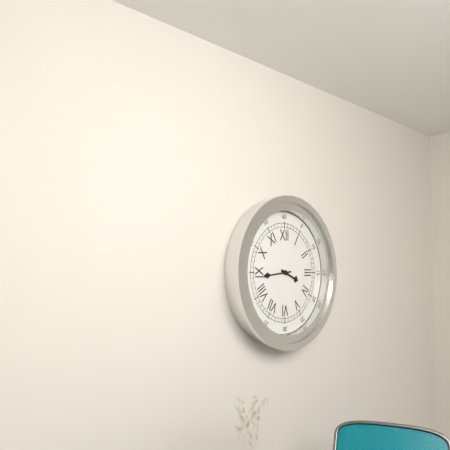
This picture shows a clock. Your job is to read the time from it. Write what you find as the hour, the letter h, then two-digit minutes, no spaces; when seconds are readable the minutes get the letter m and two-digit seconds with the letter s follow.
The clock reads 3h44
